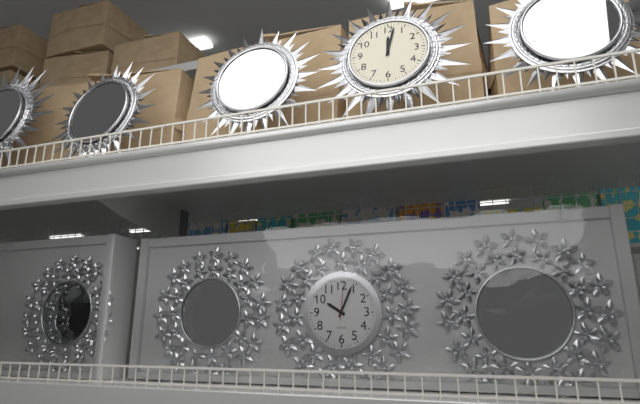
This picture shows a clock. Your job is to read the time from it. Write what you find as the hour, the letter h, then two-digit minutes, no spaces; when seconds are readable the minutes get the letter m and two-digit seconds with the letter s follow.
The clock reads 10h04
